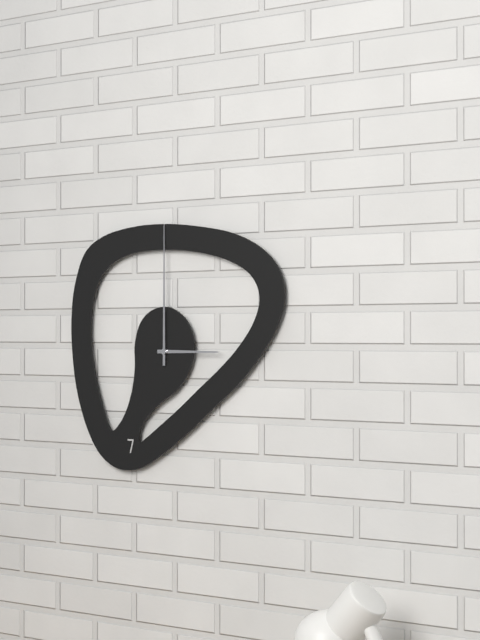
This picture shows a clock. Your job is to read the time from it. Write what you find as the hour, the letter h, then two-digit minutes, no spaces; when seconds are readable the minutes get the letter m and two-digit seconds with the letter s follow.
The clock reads 3h00
